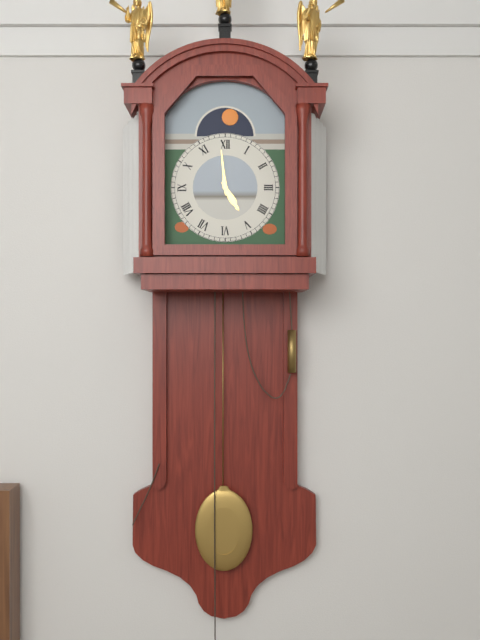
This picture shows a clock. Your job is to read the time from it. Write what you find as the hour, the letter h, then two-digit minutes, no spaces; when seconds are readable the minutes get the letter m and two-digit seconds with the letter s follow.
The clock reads 4h59
